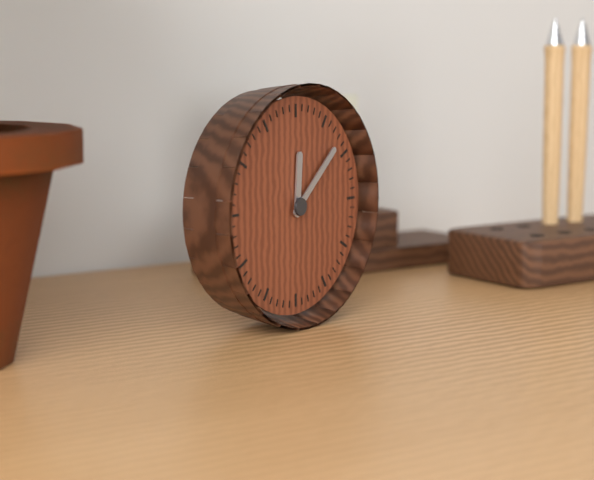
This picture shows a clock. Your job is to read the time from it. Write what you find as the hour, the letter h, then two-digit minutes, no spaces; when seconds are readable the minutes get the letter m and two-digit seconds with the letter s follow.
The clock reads 12h08
